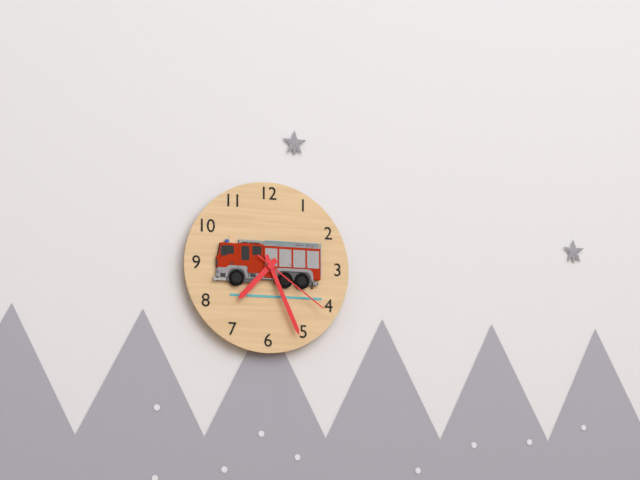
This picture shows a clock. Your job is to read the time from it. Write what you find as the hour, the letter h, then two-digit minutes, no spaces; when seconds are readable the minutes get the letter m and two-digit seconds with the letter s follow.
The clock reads 7h26m21s
